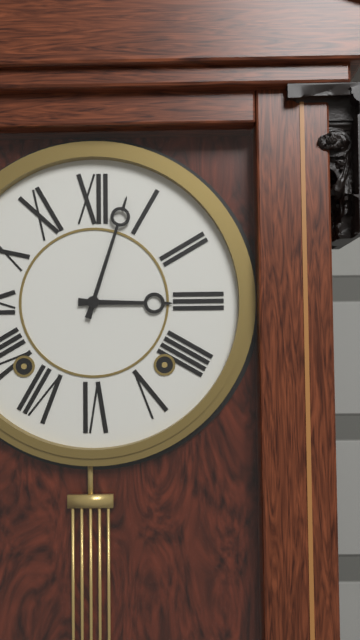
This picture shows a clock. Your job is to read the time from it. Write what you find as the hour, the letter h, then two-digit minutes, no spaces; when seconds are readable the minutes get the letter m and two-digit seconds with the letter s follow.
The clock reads 3h03
